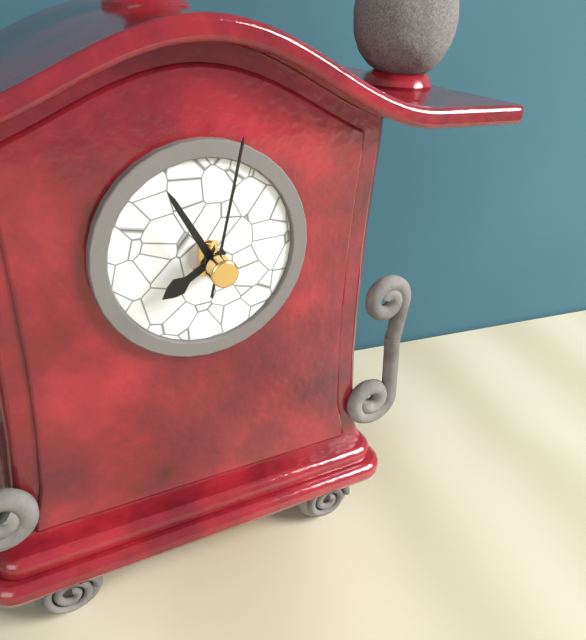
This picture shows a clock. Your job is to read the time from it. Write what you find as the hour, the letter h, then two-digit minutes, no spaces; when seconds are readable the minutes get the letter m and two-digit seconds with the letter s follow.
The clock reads 7h55m02s
